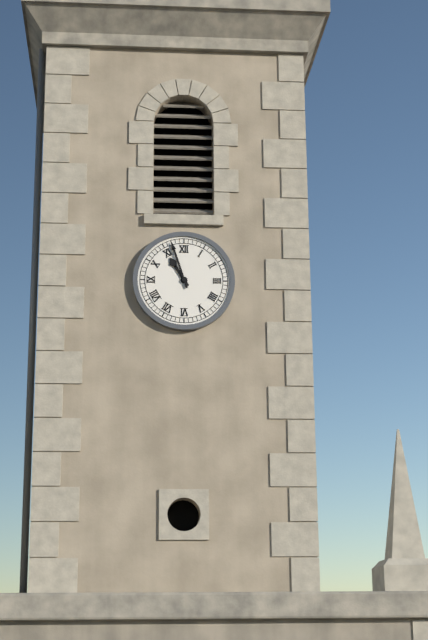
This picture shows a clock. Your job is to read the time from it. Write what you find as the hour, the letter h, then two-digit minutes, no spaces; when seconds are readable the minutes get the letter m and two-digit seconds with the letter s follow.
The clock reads 10h57
